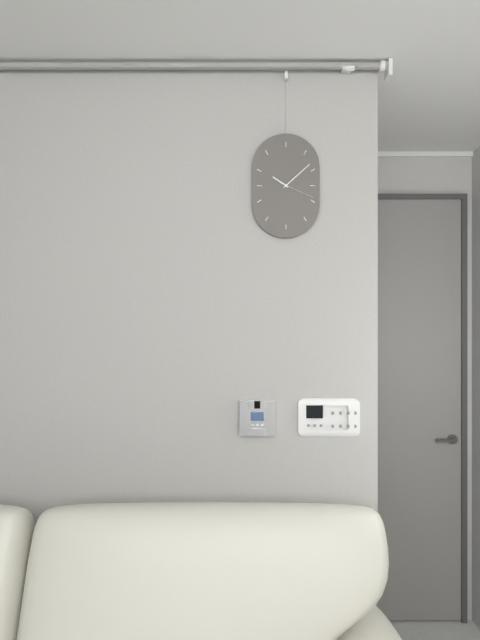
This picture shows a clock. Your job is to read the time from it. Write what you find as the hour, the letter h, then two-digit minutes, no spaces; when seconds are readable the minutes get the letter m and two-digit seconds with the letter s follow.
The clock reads 10h08
